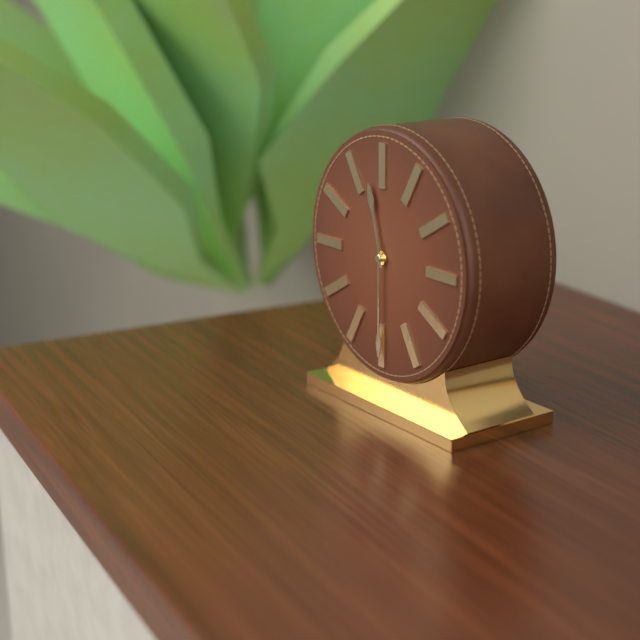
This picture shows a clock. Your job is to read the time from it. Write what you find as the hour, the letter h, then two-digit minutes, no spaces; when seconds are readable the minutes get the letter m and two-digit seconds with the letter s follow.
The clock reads 11h30
